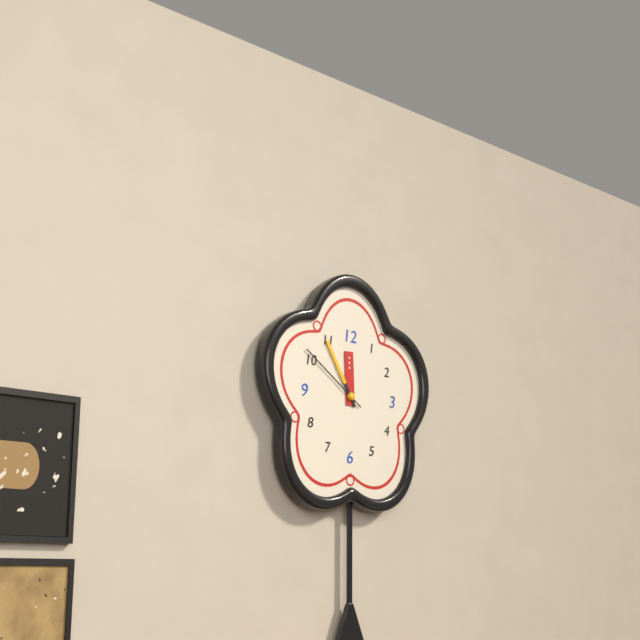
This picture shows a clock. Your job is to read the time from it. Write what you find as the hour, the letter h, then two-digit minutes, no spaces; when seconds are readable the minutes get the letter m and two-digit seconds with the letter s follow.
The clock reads 11h55m51s
